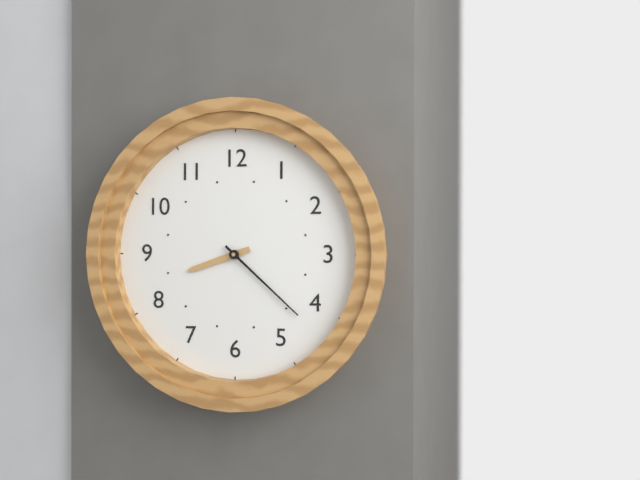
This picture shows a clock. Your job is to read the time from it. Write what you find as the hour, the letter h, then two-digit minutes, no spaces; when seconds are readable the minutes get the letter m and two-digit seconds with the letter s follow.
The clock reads 8h22
